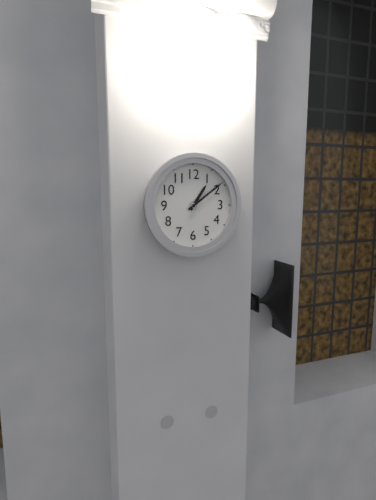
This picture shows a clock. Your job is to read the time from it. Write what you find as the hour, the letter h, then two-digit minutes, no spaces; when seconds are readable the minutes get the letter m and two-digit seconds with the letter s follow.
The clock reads 1h09
